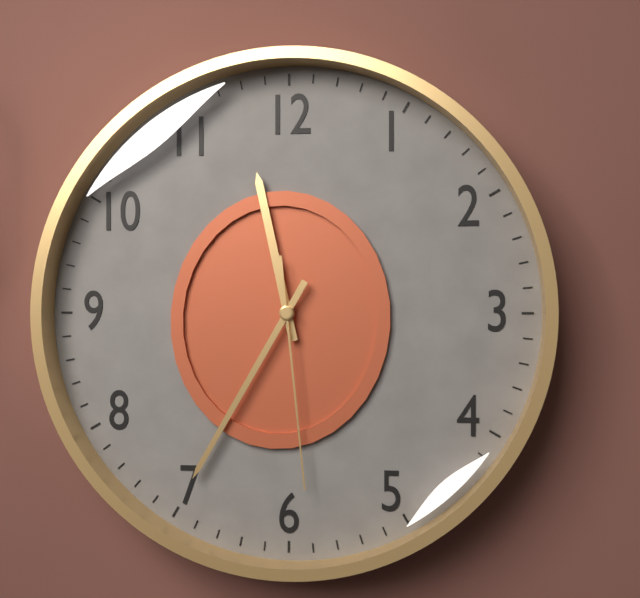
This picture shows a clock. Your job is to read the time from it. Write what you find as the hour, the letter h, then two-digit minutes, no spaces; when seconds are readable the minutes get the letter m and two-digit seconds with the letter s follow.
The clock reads 11h35m29s
